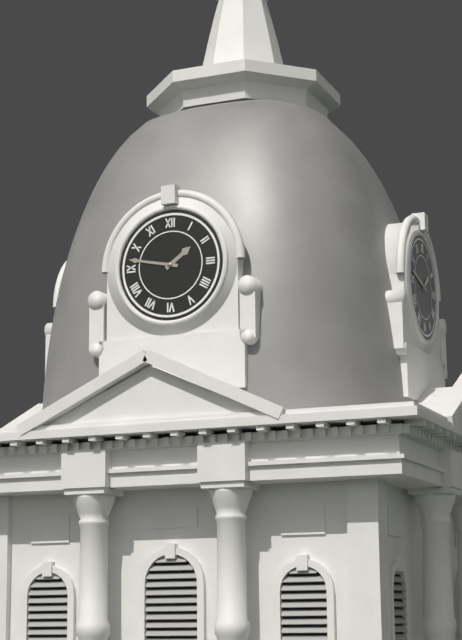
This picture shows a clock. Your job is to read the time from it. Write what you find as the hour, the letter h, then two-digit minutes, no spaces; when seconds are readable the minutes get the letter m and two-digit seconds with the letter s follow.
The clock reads 1h47
